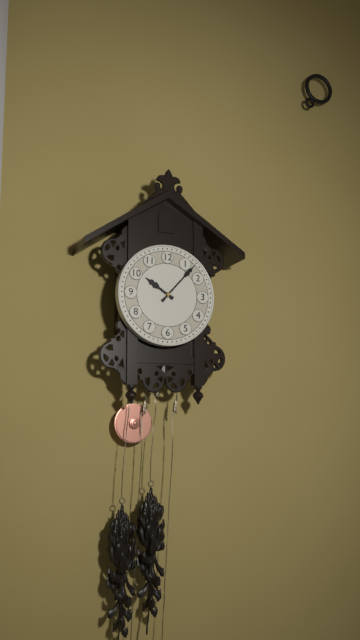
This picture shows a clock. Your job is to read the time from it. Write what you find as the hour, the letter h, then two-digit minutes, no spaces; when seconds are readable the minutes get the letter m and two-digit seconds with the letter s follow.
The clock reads 10h07
